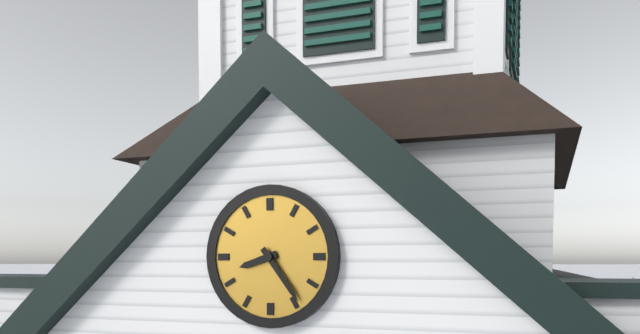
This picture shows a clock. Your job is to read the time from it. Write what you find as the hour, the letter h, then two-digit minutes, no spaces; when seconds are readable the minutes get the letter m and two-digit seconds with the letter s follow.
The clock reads 8h24
